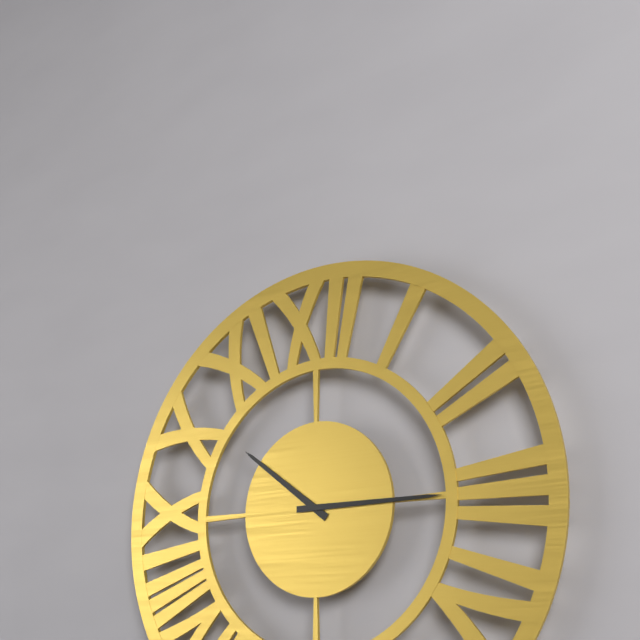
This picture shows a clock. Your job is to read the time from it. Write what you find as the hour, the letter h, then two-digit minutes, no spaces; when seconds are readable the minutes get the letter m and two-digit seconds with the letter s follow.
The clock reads 10h15
